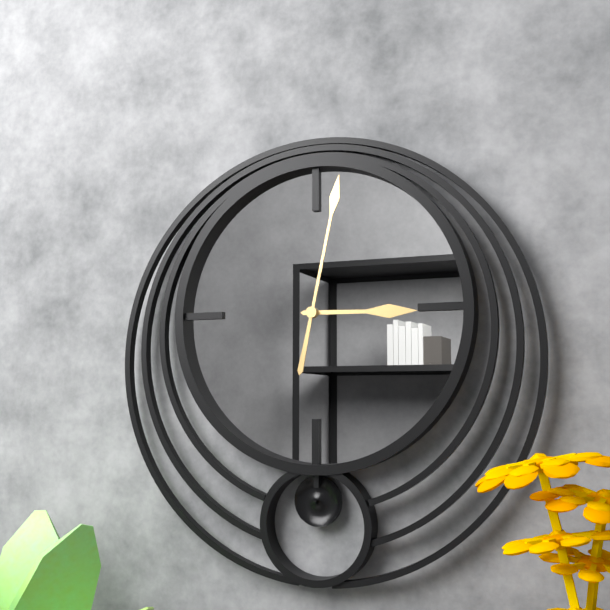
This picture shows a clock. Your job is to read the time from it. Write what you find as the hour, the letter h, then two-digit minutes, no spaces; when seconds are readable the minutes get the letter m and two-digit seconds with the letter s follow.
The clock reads 3h02
